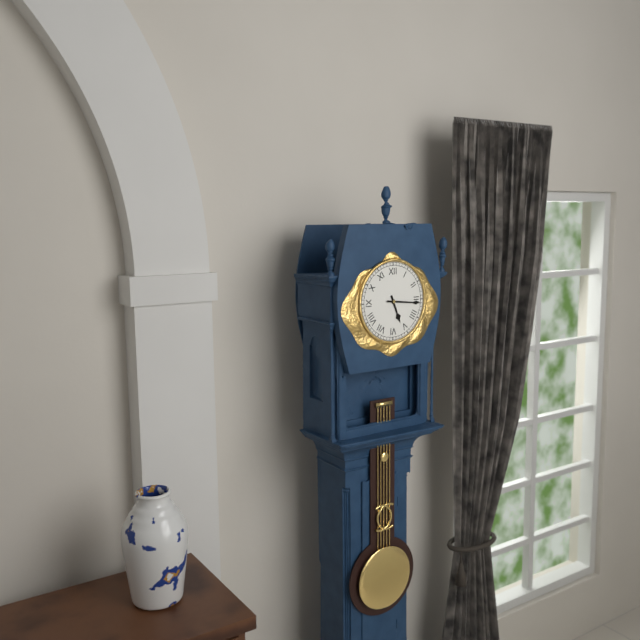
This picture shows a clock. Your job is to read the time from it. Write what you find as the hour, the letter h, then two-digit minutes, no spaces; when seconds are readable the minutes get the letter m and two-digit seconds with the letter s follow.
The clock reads 5h16
